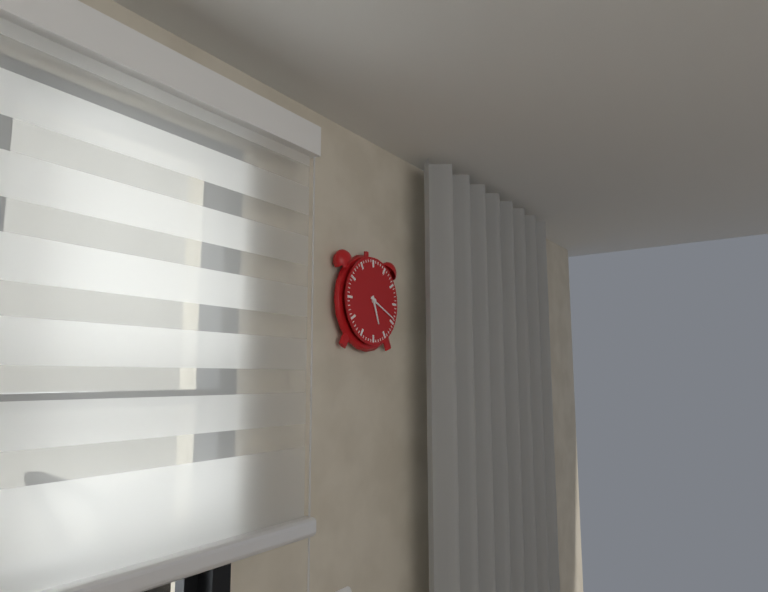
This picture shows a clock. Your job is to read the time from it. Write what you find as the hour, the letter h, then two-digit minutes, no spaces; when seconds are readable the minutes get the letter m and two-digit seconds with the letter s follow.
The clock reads 5h19
